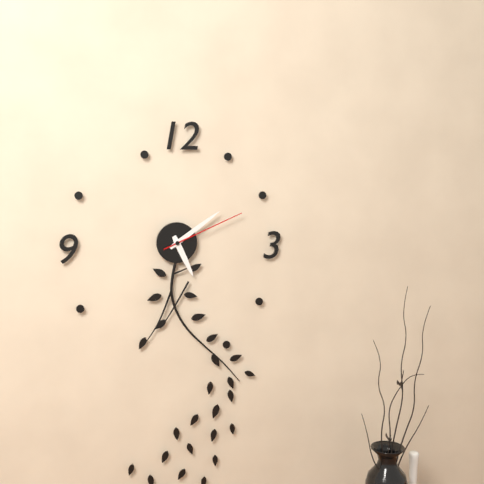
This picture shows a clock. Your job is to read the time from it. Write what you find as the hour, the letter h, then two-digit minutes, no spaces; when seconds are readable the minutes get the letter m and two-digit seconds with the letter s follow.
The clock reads 5h09m11s
